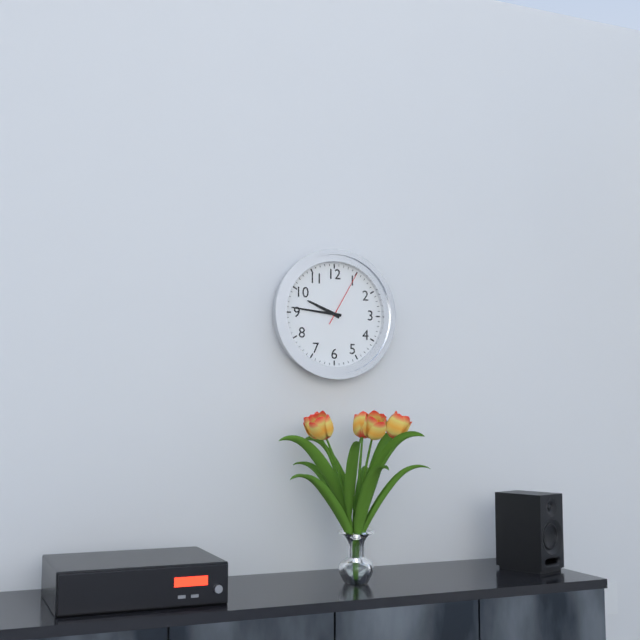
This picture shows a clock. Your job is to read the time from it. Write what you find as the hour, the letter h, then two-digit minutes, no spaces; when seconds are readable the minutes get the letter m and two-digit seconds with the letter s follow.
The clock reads 9h46m05s
